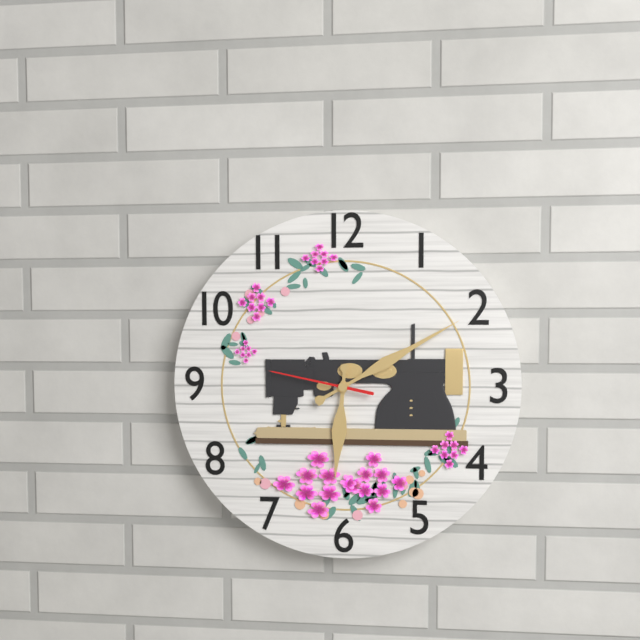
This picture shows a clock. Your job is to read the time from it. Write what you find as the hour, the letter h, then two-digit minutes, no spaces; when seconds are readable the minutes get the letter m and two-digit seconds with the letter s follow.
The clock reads 6h10m47s
